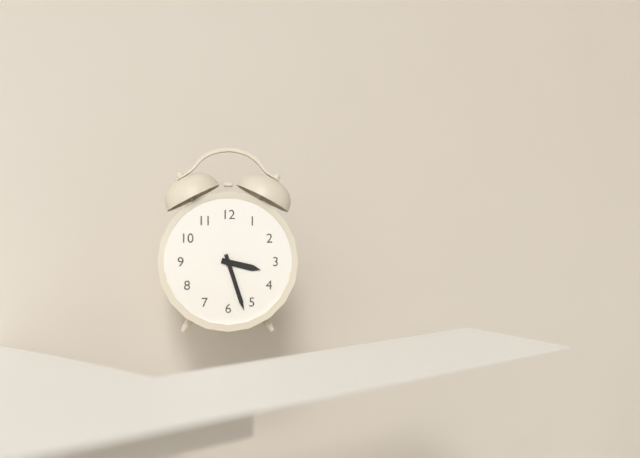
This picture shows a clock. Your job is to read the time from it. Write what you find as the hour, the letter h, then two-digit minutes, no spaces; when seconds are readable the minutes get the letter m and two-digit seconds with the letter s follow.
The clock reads 3h27
